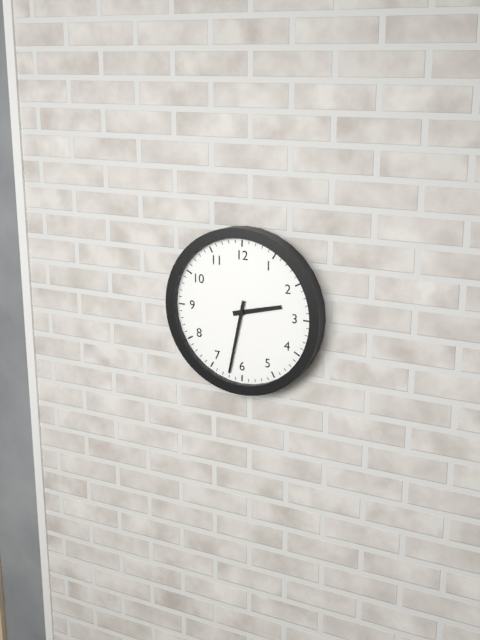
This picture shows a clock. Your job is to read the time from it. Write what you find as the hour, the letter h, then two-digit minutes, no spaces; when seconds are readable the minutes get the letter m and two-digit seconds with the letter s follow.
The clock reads 2h32
